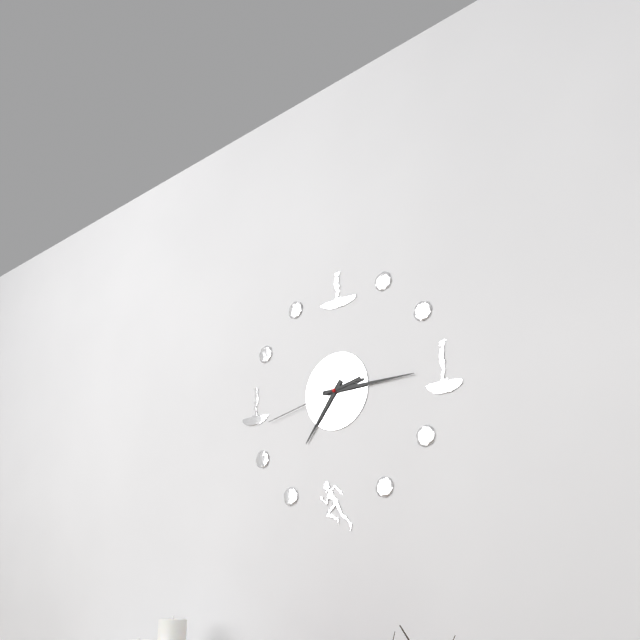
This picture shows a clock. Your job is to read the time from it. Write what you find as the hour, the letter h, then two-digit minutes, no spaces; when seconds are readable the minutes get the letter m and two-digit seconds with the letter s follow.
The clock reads 7h15m43s
